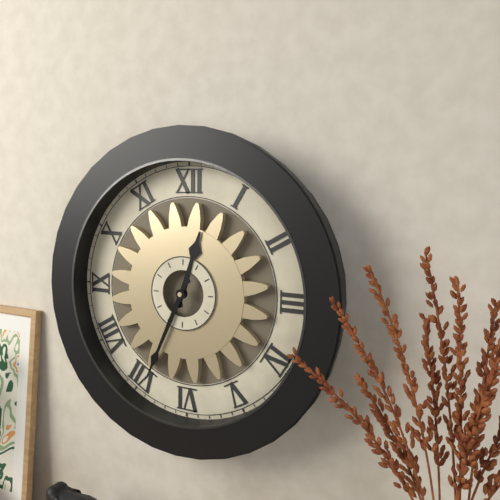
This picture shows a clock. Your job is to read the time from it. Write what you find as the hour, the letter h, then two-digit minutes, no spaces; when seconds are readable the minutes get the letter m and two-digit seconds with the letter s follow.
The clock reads 12h34
